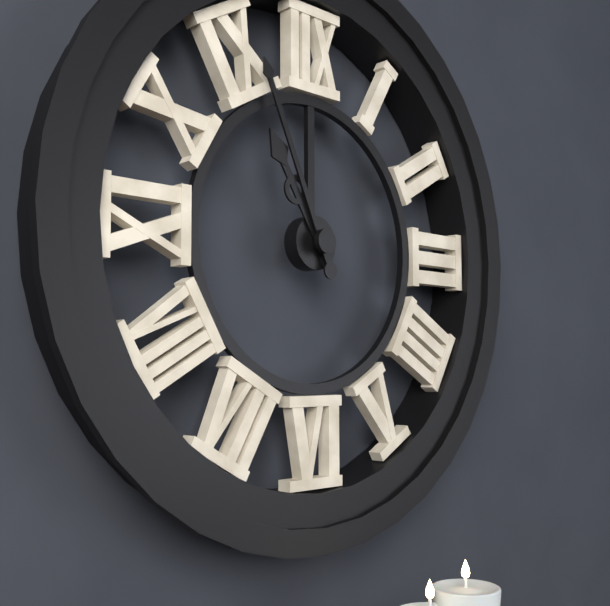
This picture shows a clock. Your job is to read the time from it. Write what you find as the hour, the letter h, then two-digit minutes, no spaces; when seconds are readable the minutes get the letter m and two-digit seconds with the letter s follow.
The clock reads 10h56
